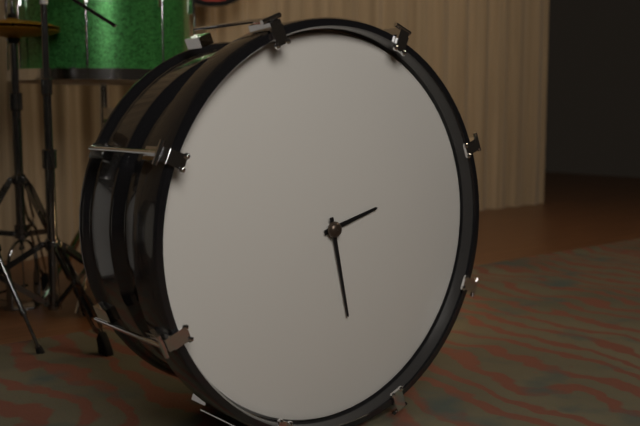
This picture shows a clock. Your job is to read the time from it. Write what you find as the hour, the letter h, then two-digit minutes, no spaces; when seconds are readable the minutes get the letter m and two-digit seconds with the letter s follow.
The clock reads 2h28
